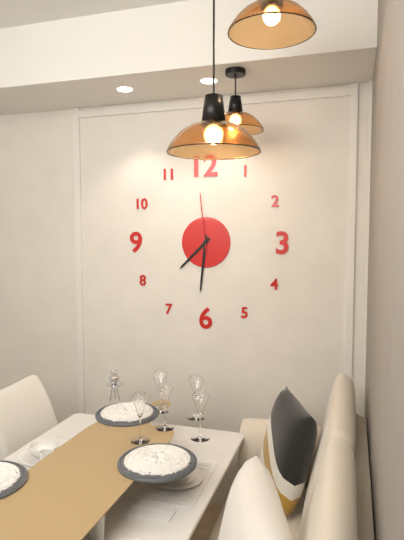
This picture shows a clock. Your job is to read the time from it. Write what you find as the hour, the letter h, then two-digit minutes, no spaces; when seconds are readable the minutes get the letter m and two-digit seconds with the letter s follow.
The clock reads 7h31m59s
